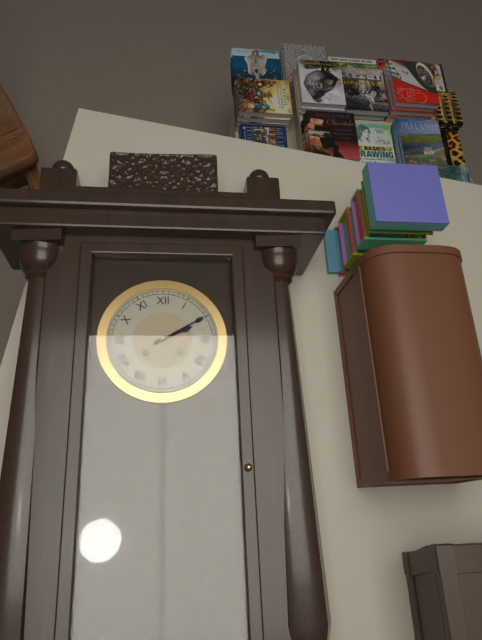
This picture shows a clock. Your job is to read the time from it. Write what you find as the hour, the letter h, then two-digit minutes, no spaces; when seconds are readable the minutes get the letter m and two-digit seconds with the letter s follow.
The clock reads 2h10
